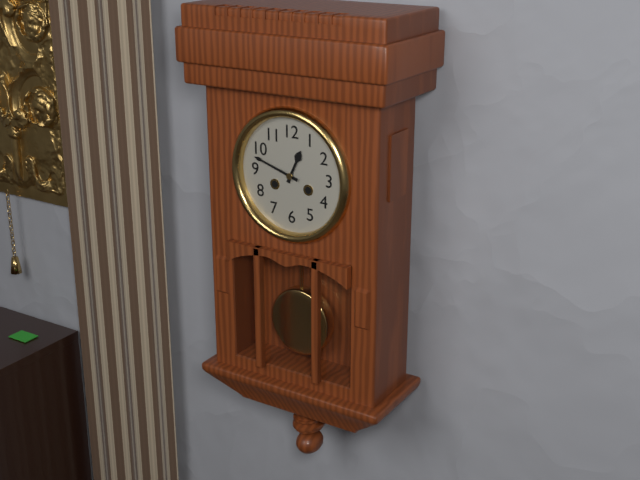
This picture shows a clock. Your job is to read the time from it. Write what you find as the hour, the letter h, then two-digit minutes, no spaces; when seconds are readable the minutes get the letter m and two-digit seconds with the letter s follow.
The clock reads 12h48
